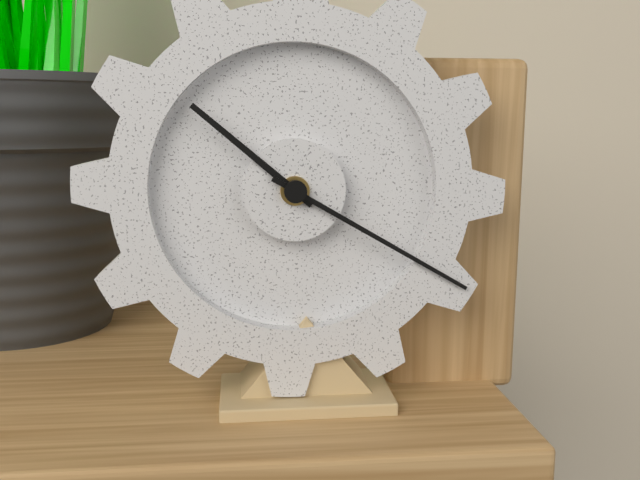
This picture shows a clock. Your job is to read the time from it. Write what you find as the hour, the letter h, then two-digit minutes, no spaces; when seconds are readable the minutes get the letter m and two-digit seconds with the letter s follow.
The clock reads 10h20
